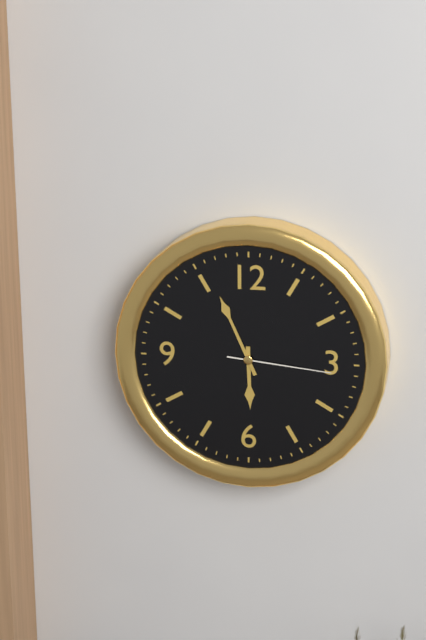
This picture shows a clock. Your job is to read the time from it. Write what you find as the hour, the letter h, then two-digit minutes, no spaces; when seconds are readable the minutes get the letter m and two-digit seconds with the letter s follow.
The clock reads 5h56m16s
